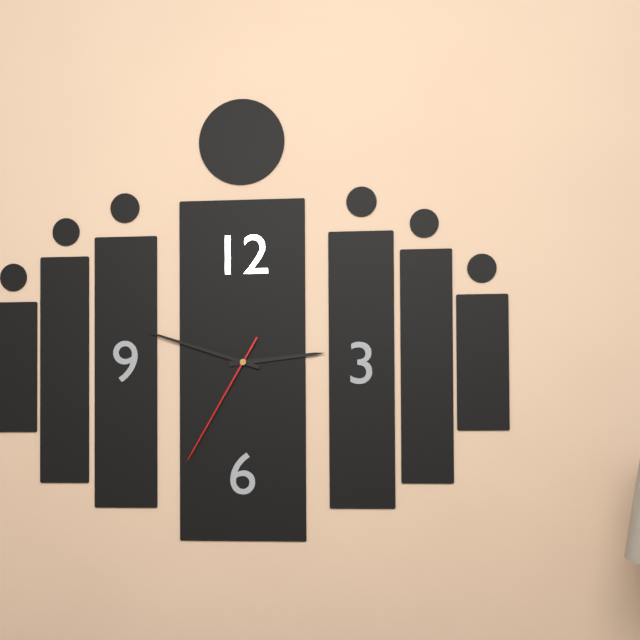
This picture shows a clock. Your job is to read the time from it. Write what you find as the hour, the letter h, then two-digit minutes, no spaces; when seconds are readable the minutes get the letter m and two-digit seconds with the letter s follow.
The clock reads 2h48m35s
